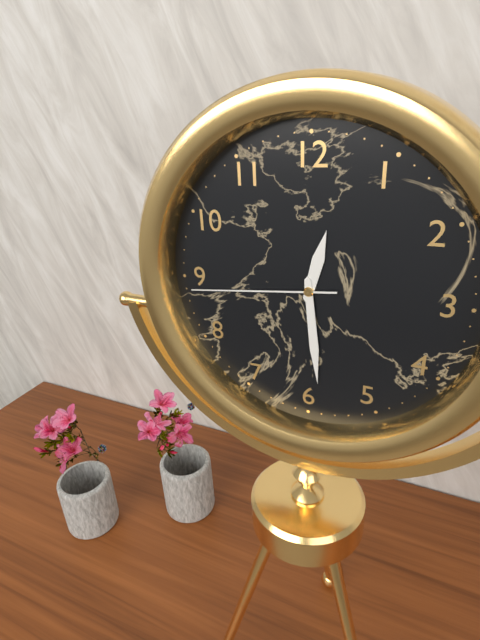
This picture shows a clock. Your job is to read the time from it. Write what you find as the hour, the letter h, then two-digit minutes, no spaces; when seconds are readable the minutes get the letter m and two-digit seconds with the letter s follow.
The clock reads 12h29m44s
